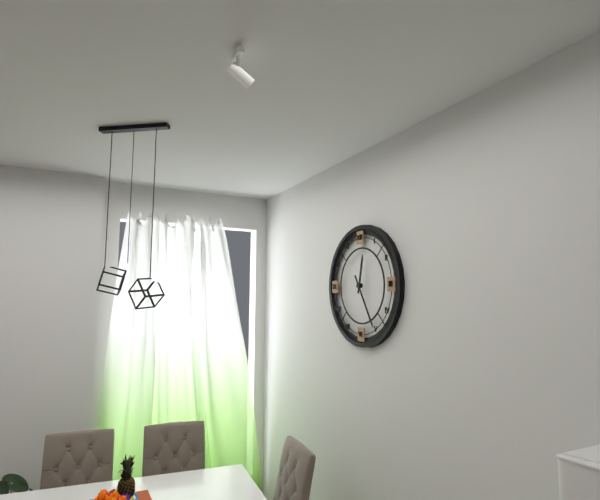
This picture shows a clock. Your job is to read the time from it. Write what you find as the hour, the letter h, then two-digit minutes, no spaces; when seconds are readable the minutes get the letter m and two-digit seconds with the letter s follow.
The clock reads 12h25
